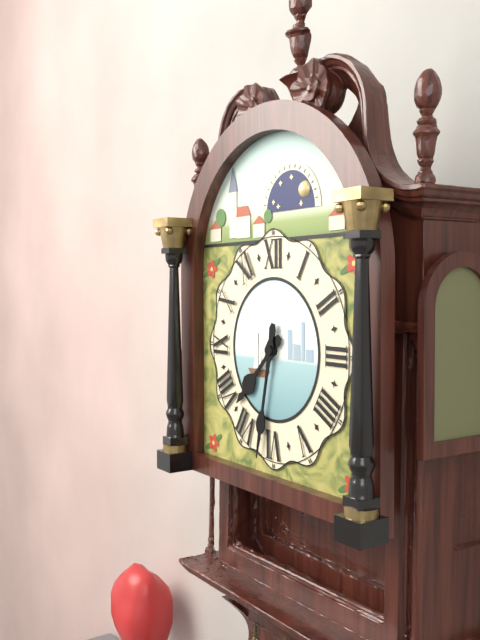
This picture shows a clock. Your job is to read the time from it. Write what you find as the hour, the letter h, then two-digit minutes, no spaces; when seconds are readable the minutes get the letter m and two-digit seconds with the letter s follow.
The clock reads 7h32
